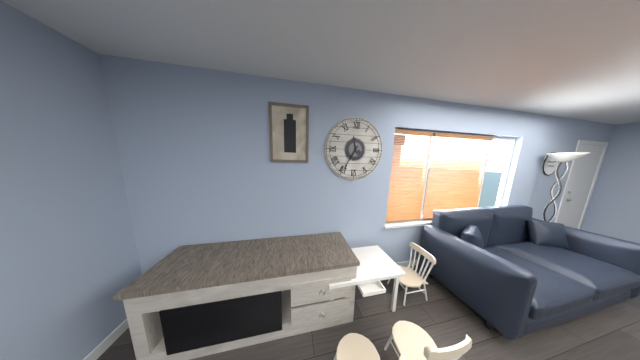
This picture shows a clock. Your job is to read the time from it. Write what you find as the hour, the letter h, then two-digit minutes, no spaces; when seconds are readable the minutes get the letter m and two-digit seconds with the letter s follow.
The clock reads 11h35
